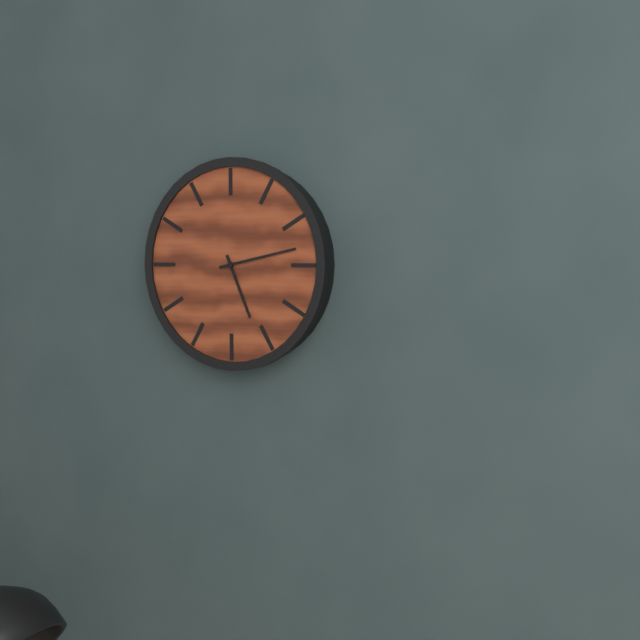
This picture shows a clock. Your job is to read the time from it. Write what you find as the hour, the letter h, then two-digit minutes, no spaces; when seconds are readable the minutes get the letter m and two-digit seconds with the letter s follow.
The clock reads 5h13
